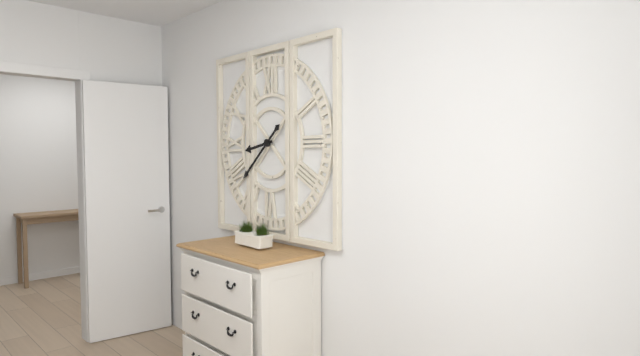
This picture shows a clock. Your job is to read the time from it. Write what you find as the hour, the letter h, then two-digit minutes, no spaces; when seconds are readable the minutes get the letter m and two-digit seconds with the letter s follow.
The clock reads 8h38
